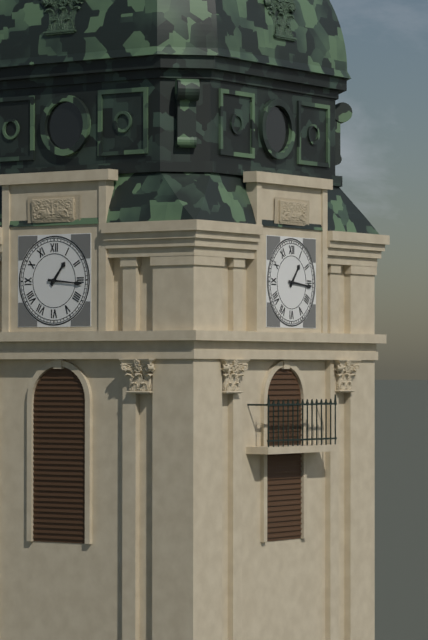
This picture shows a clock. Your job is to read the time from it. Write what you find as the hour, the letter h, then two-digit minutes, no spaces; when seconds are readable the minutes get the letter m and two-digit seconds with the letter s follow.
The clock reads 1h16
